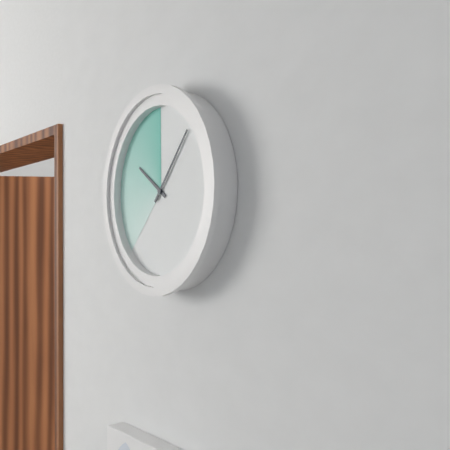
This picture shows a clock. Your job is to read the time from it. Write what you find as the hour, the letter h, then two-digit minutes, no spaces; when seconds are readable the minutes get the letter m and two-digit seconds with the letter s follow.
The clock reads 10h07
